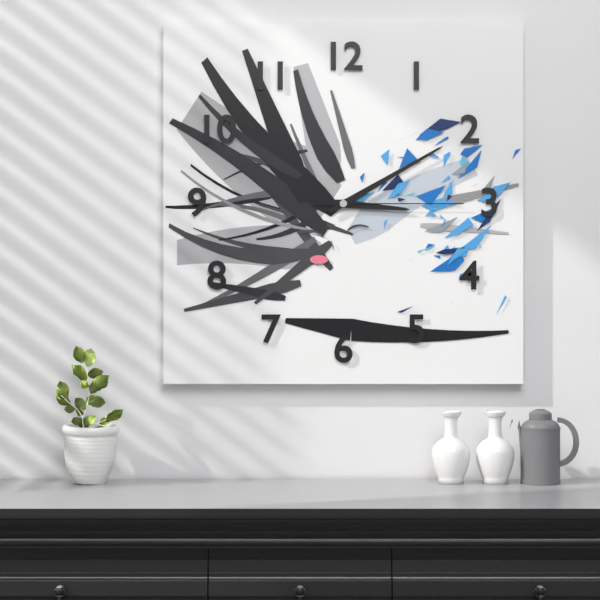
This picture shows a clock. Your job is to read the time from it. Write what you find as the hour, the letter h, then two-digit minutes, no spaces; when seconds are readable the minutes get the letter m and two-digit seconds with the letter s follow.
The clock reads 3h10m15s
